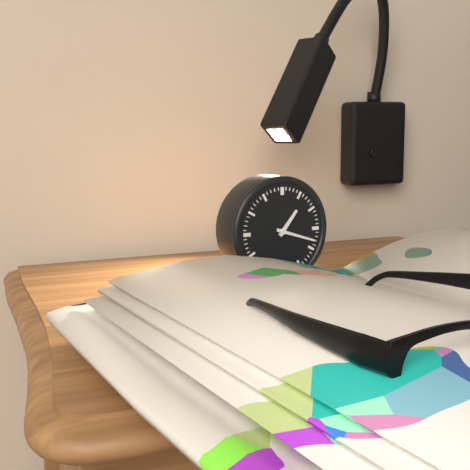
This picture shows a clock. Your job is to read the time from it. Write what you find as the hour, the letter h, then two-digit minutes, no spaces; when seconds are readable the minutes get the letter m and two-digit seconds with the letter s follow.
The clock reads 1h18
